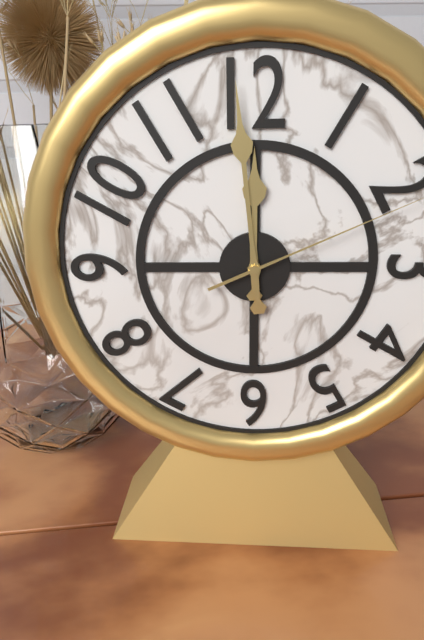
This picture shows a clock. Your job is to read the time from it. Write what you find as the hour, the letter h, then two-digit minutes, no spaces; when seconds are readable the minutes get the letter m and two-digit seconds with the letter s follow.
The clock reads 11h59
